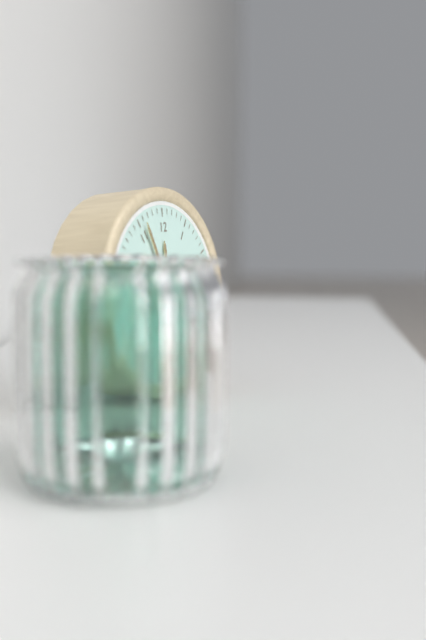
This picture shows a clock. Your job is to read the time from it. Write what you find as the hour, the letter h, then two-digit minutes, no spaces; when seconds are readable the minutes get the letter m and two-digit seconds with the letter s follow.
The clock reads 11h56m37s
